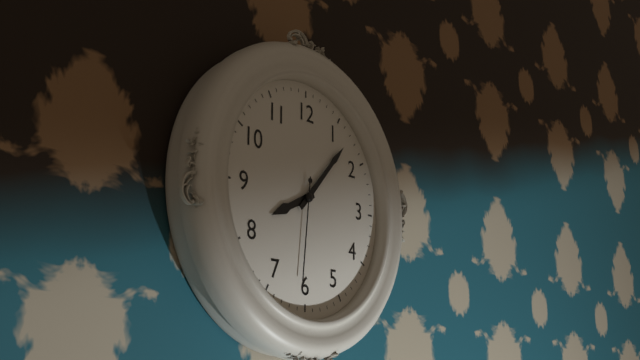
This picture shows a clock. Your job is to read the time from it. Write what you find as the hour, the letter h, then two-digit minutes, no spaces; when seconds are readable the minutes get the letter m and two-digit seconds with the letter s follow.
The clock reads 8h07m31s
